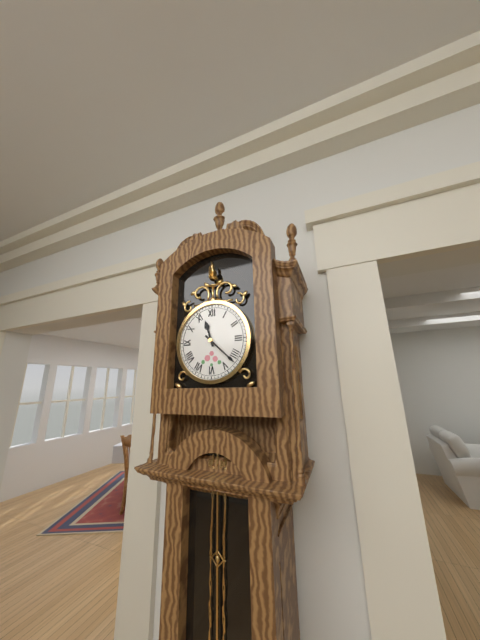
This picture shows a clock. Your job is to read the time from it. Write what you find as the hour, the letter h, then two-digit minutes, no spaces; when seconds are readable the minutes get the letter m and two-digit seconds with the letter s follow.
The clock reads 11h22
